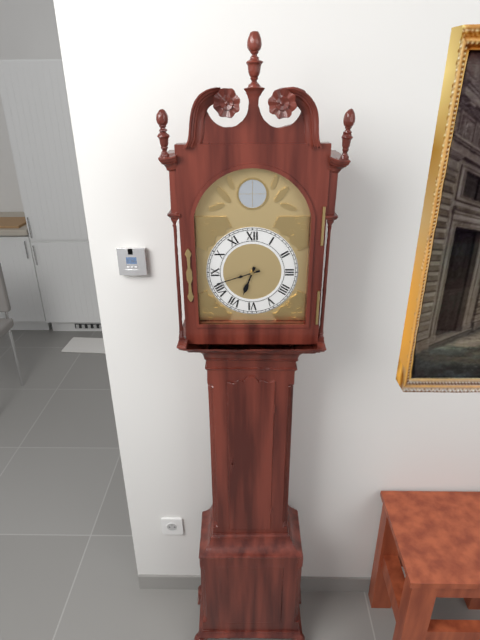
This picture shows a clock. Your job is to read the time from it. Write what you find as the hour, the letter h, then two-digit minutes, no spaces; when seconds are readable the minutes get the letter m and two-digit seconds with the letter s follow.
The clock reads 6h42
